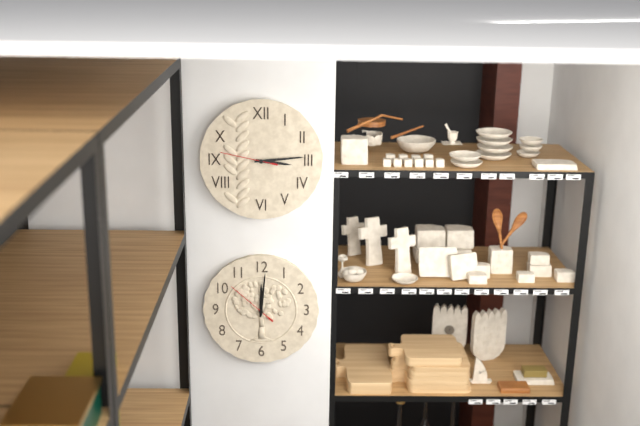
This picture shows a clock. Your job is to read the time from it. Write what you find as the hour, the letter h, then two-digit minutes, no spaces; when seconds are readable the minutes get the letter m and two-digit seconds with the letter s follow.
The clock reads 3h14m47s
